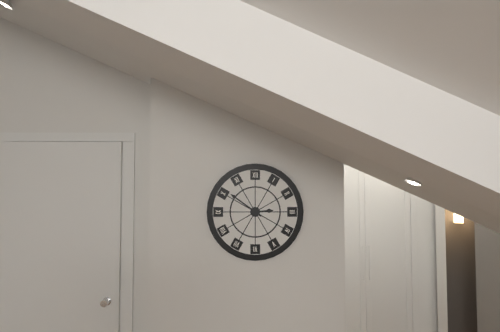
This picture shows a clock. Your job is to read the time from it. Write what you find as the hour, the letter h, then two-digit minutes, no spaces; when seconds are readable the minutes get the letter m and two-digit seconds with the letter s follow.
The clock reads 2h51
